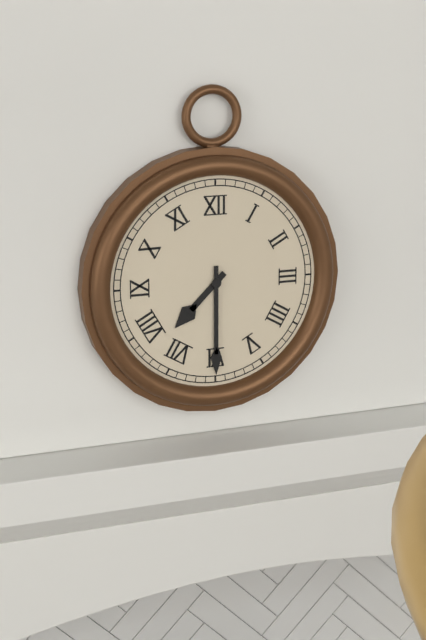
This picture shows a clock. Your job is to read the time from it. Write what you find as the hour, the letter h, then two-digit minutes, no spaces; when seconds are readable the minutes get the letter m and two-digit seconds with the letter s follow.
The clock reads 7h30
